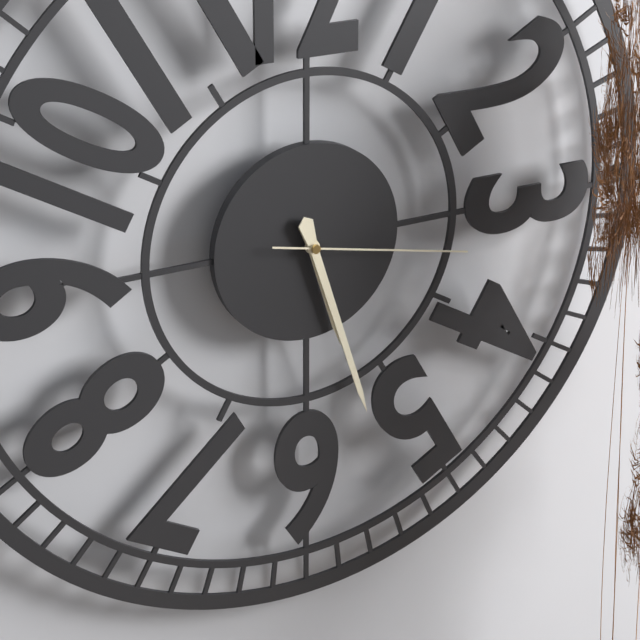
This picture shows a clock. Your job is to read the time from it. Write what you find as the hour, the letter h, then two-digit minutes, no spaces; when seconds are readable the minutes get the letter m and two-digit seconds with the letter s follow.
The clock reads 5h27m17s
